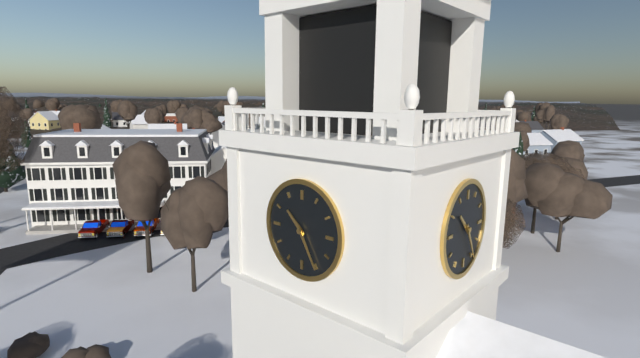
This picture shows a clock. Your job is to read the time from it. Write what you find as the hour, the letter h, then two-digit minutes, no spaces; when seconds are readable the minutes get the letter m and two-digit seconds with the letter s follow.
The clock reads 10h25
